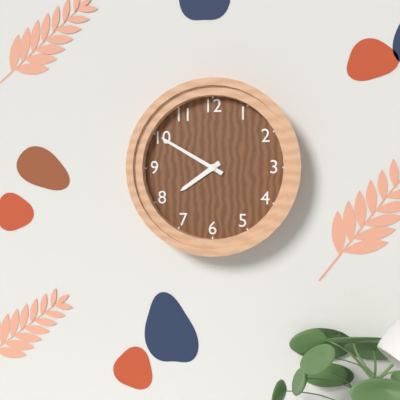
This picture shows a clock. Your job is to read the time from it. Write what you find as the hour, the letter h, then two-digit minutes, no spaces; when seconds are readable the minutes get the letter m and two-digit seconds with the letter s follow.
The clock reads 7h50
